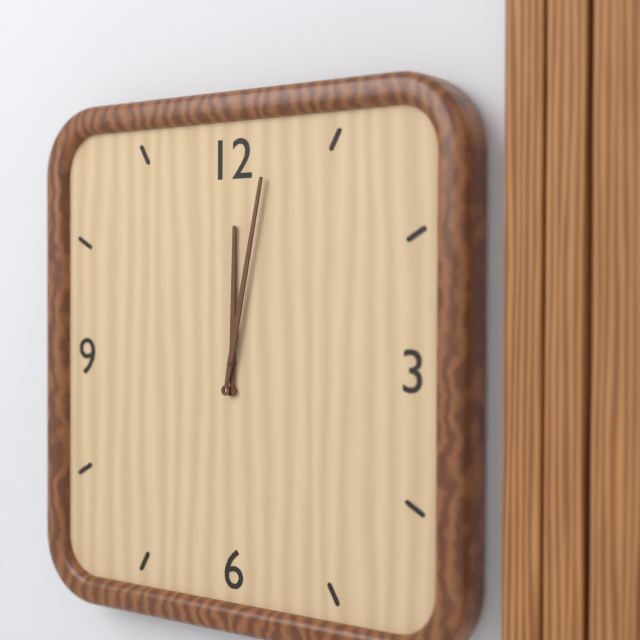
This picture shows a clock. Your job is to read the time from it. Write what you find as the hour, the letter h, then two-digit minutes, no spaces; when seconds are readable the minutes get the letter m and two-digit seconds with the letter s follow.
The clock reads 12h02
